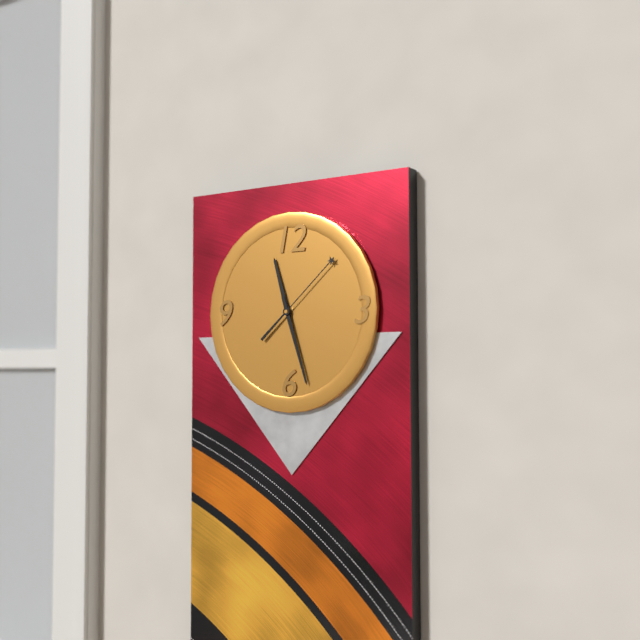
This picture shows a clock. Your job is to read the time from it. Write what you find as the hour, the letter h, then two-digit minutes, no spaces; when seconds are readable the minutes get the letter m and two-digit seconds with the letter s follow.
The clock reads 11h27m08s
